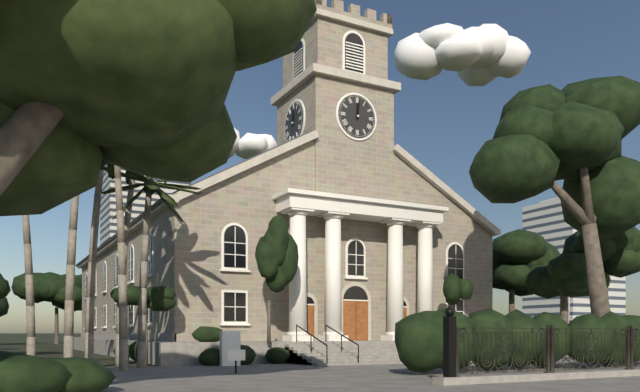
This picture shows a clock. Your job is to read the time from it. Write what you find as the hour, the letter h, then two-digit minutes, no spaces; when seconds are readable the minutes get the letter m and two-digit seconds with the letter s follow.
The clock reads 12h01
